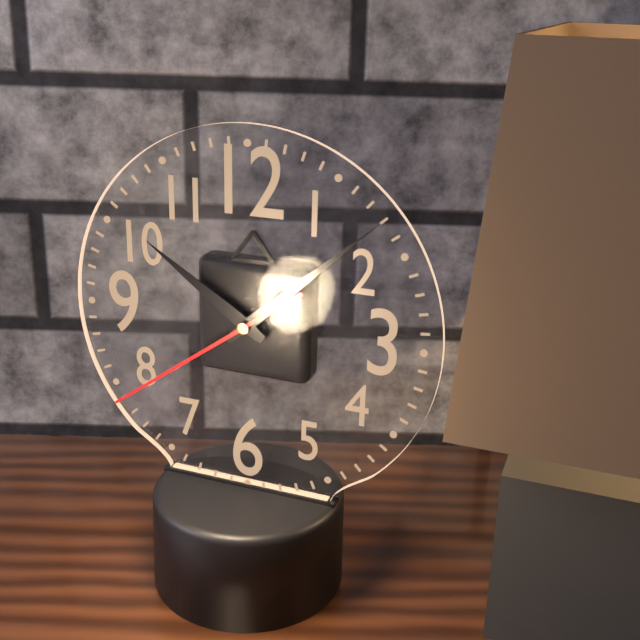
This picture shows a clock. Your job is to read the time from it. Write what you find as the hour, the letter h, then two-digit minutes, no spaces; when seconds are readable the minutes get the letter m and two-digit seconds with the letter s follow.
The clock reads 10h08m39s
